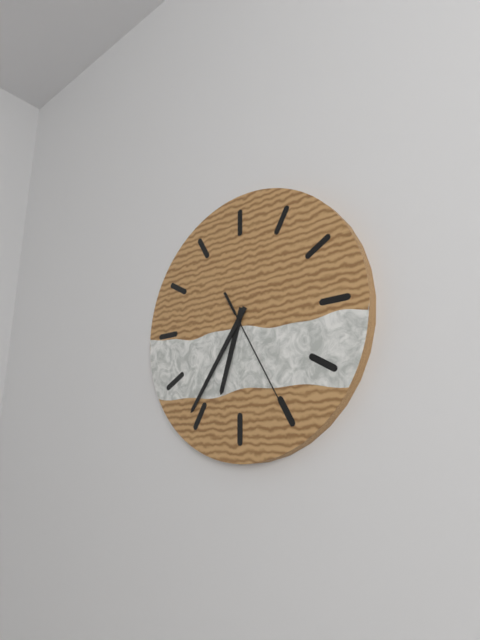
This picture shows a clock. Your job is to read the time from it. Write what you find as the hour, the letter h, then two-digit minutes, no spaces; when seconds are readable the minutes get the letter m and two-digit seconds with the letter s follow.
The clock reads 6h36m25s
